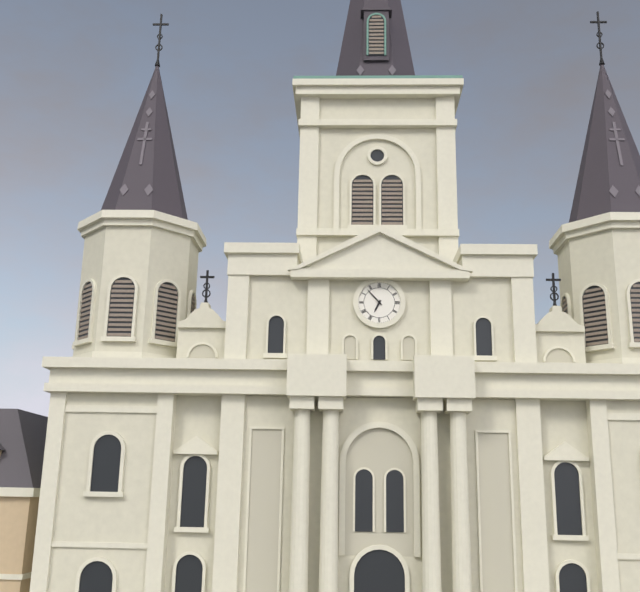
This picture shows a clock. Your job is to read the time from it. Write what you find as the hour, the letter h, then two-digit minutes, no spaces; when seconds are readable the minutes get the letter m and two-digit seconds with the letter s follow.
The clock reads 6h53
